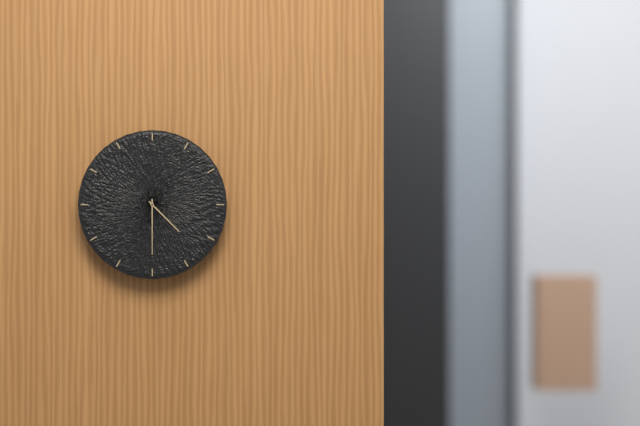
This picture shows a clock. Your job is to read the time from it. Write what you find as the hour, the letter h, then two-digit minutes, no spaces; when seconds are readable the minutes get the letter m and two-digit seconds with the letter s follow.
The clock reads 4h30
